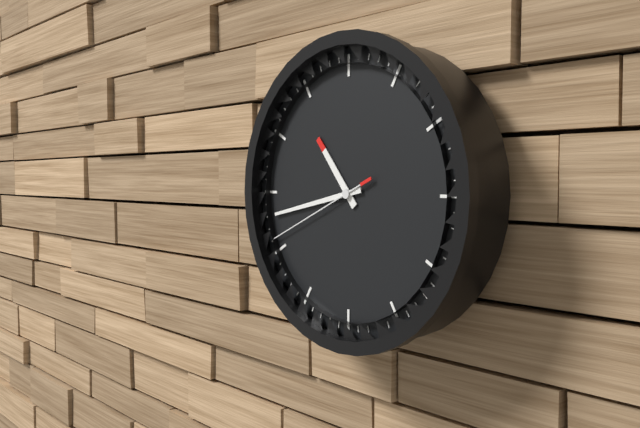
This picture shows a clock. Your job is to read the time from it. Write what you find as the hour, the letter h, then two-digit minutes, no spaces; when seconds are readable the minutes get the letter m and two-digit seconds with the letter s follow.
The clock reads 10h43m41s
